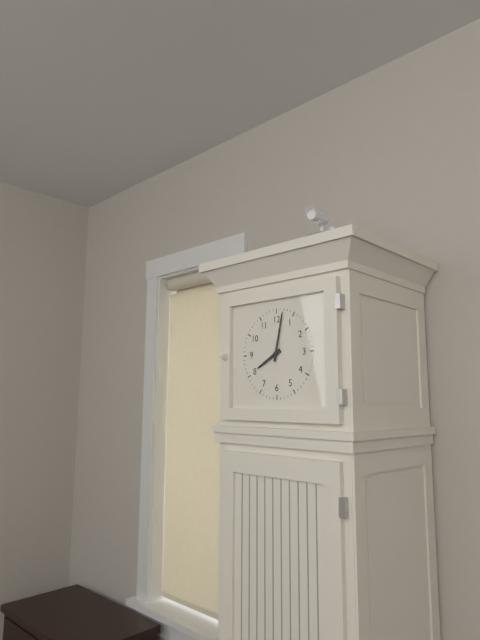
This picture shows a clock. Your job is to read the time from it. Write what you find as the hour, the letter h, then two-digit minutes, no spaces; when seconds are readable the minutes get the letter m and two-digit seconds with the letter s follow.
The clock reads 8h02
